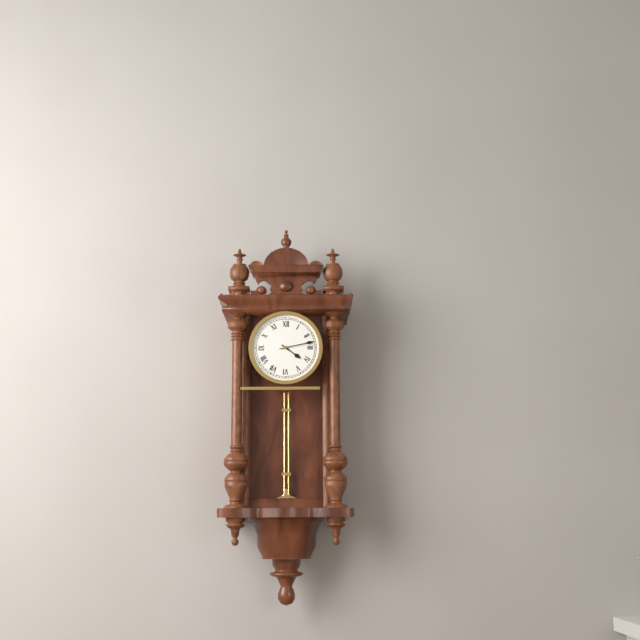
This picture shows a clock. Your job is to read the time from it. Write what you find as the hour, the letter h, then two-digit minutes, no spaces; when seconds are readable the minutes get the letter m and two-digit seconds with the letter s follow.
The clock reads 4h13
